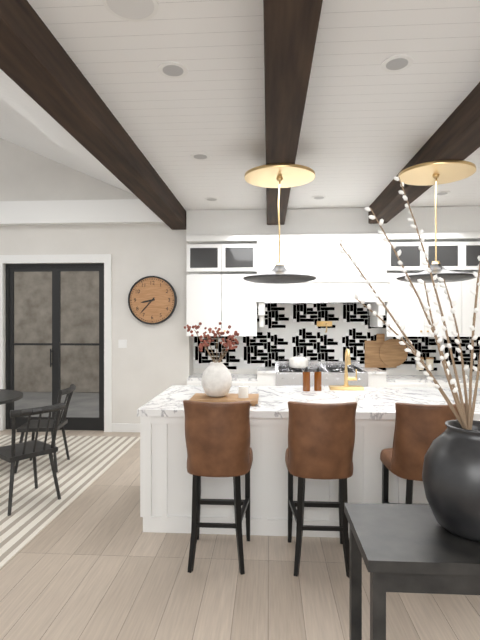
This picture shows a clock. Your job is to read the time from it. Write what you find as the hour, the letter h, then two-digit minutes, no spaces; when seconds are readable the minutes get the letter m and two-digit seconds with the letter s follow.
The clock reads 8h37
